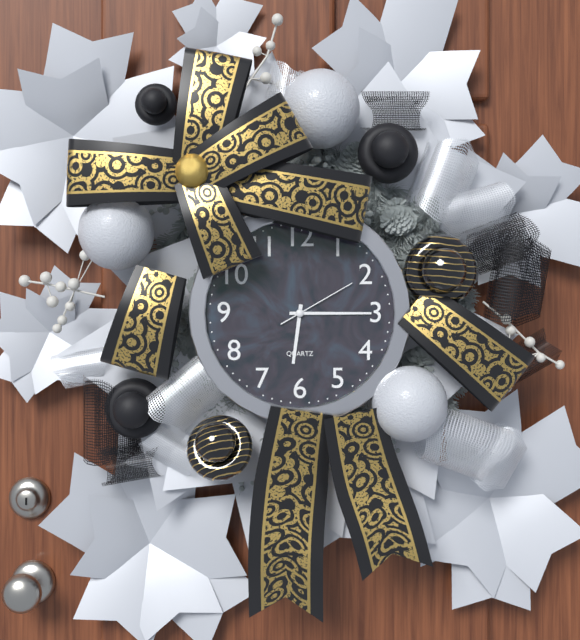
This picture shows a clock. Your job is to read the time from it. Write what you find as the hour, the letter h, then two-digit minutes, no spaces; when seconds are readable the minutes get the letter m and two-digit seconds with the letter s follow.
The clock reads 6h15m10s
